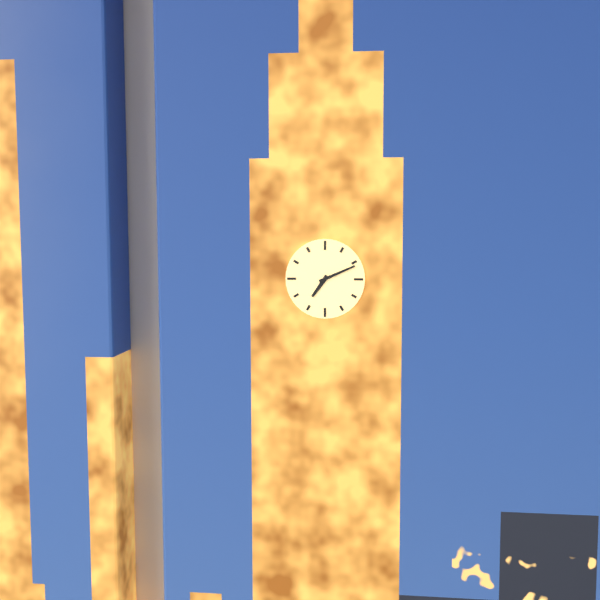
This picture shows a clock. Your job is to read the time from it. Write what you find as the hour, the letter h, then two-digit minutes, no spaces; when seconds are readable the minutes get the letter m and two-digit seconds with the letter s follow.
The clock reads 7h11
